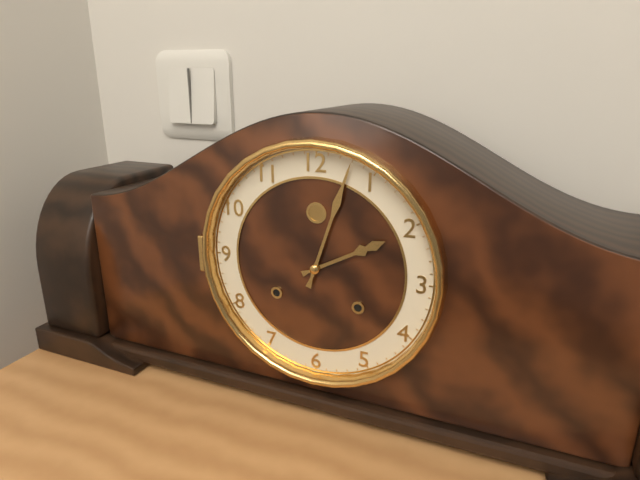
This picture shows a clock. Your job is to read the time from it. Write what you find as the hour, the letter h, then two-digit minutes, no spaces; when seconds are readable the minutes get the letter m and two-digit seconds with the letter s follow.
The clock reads 2h03
